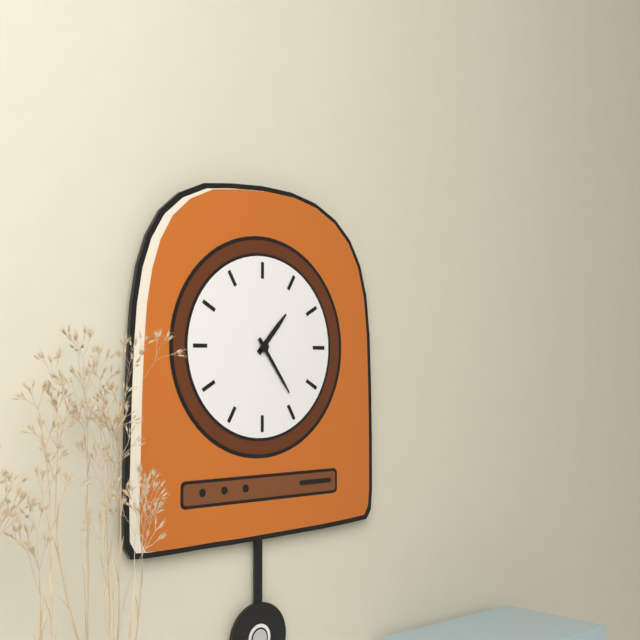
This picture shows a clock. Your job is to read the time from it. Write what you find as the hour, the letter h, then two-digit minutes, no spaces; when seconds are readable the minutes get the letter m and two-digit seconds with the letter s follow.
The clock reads 1h24
